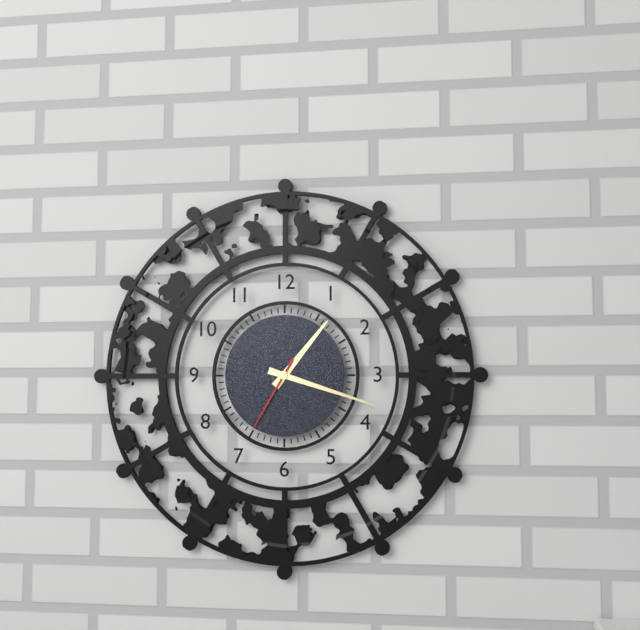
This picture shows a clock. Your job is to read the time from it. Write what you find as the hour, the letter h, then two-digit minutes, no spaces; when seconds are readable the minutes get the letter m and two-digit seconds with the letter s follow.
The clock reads 1h18m35s
